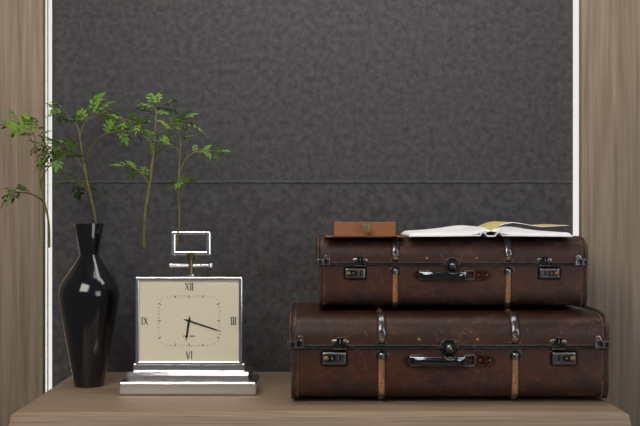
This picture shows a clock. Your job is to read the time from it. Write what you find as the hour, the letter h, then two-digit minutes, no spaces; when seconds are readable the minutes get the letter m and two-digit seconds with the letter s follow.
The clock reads 6h18
